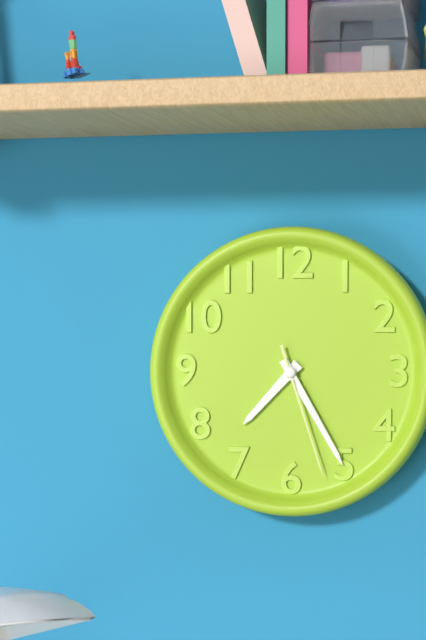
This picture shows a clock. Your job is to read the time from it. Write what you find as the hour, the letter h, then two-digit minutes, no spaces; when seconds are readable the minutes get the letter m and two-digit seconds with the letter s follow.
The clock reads 7h25m27s
